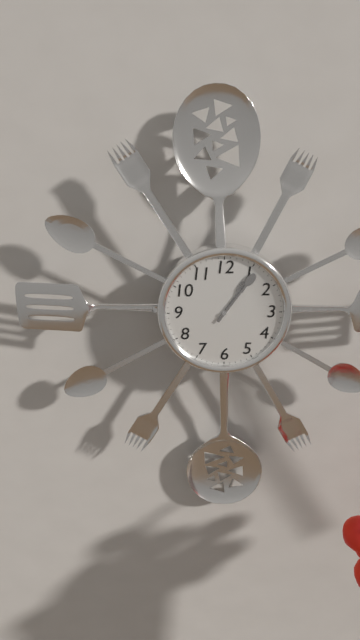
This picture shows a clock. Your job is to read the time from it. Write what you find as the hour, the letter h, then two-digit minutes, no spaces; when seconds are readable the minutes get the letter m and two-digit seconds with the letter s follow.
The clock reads 1h06
